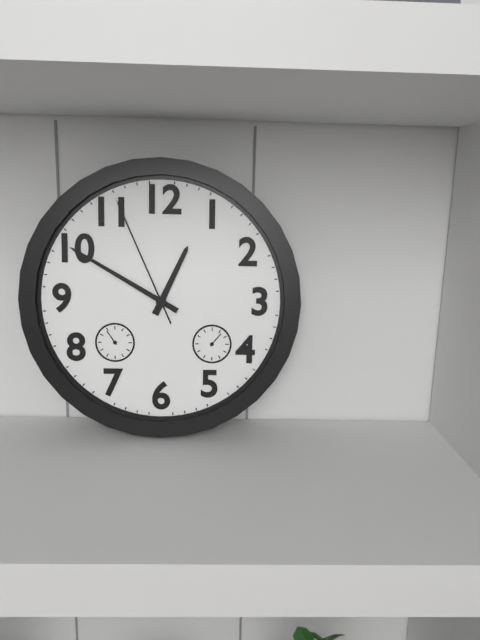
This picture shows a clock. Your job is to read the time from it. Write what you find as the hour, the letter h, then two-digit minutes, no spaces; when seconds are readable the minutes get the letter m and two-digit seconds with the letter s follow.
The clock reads 12h50m56s
